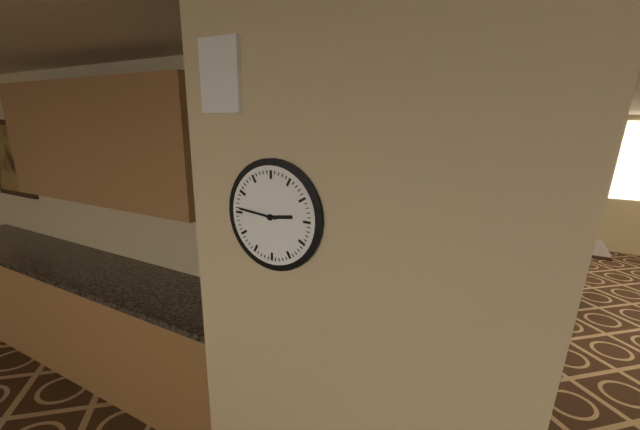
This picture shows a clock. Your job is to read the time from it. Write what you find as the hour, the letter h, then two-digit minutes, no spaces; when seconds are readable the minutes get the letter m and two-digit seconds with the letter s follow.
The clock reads 2h46
